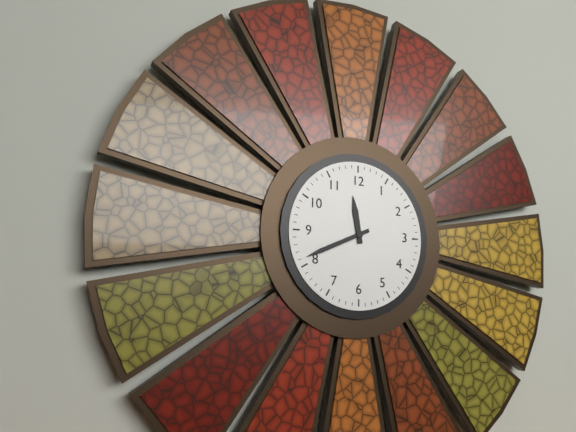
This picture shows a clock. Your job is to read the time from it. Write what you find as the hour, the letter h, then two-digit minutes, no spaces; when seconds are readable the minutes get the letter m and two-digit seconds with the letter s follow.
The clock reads 11h41
